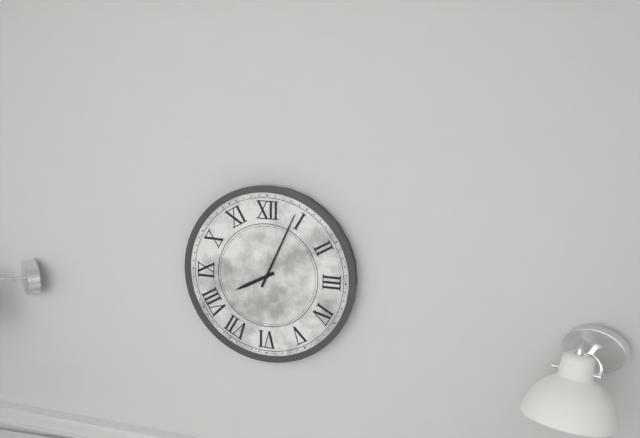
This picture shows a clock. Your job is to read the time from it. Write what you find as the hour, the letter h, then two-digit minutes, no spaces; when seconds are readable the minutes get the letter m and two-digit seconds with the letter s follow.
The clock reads 8h04
